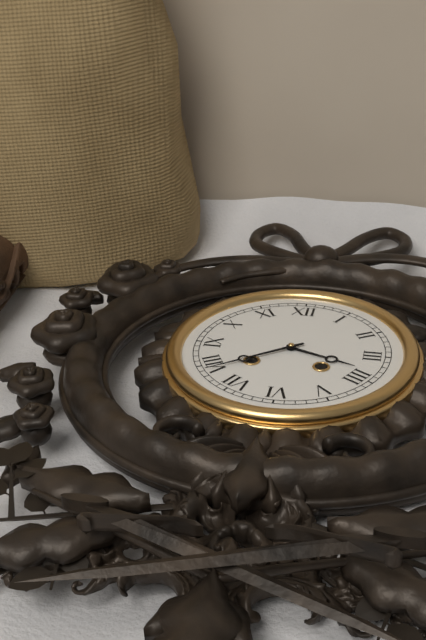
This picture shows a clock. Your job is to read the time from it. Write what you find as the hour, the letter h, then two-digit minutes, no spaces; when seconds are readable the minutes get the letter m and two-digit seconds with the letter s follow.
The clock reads 3h39
